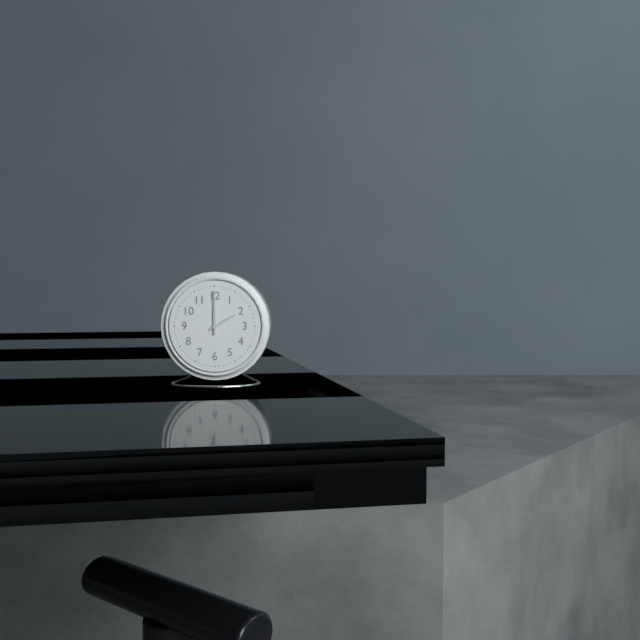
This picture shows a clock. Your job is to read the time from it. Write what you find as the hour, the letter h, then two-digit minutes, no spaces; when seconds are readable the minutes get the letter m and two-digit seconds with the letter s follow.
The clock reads 2h00
